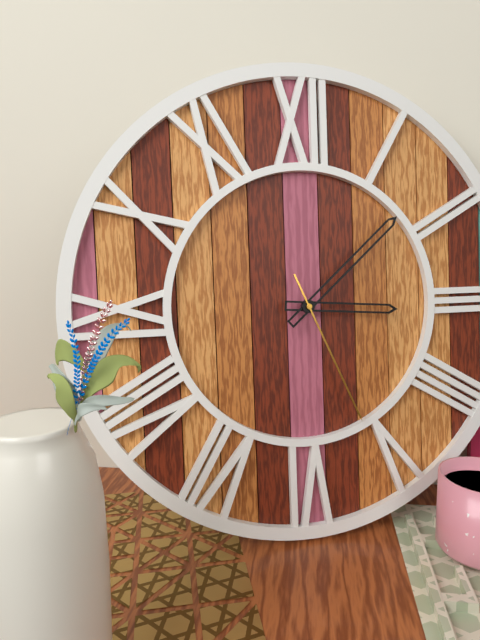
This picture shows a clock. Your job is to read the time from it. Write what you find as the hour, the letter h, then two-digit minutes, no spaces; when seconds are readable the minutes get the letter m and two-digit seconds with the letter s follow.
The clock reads 3h08m26s
